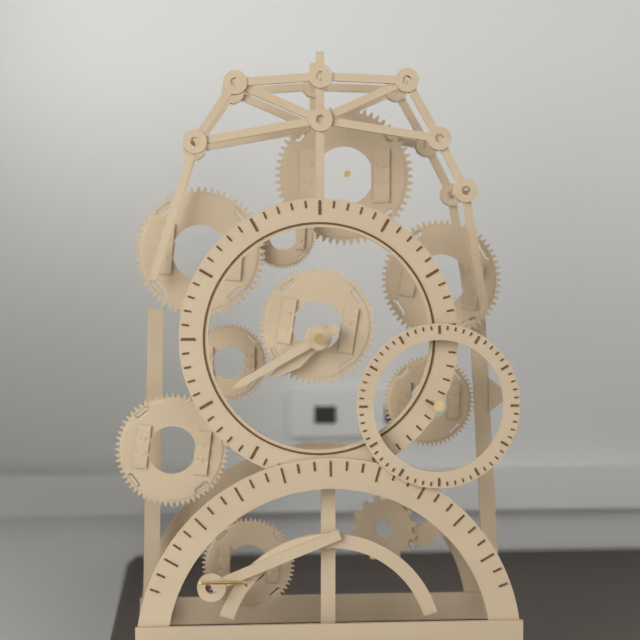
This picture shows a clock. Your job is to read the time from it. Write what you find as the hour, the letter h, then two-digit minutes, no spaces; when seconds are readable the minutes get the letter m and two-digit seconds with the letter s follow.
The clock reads 7h40
